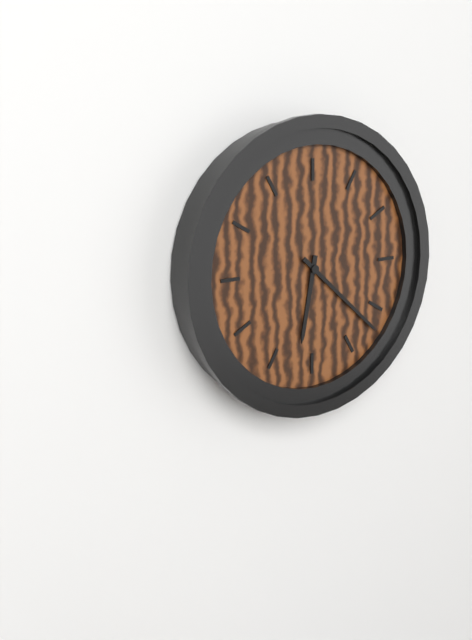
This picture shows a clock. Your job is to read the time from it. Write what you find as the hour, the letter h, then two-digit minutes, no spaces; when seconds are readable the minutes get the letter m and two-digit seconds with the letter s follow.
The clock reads 6h22
